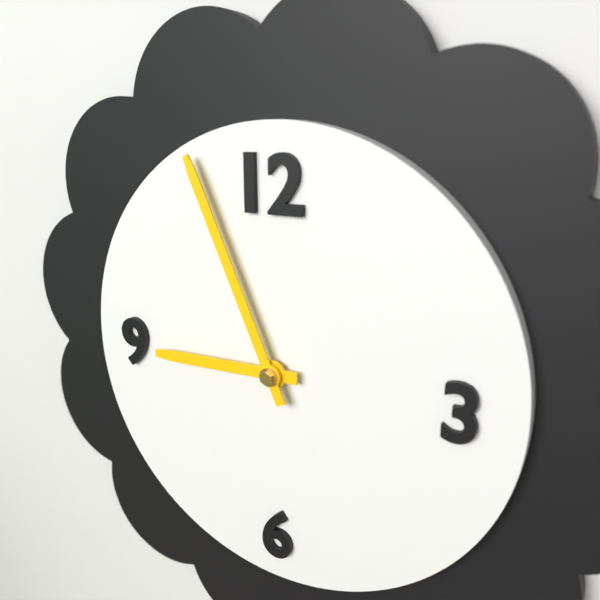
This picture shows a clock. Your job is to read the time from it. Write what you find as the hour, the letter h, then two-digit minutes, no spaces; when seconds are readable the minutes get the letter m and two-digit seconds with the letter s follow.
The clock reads 8h56
